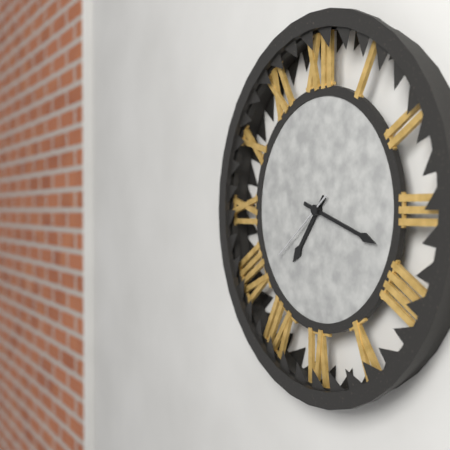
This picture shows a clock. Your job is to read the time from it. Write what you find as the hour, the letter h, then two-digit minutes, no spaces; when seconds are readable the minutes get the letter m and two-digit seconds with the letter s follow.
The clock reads 7h18m39s
